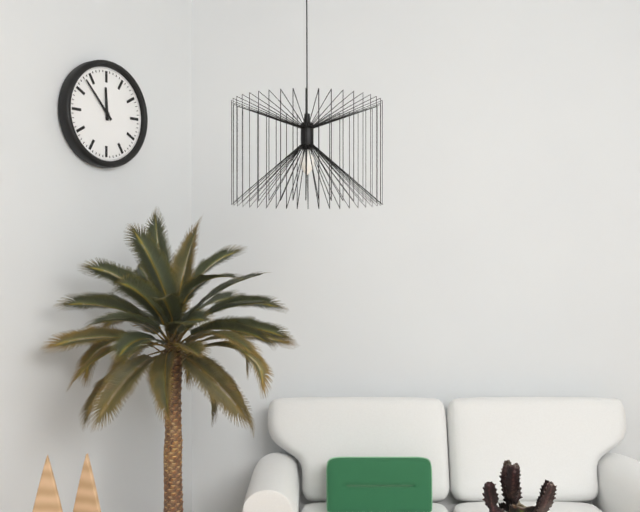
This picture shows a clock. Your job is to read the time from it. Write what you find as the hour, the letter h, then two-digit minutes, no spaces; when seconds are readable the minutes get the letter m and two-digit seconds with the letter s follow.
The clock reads 11h53
